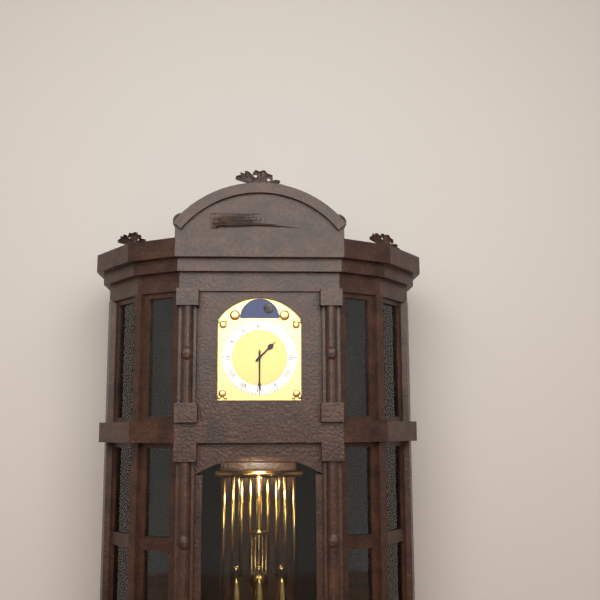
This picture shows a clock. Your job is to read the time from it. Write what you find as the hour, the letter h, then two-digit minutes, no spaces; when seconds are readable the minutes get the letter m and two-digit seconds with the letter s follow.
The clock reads 1h30
